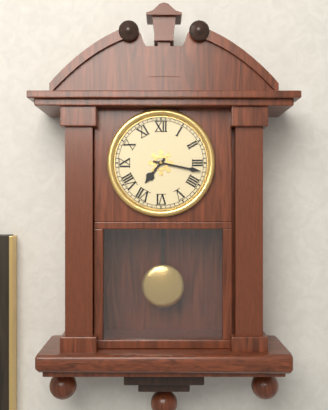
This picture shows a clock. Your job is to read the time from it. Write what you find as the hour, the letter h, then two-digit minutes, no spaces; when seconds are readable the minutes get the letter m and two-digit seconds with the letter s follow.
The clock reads 7h17
